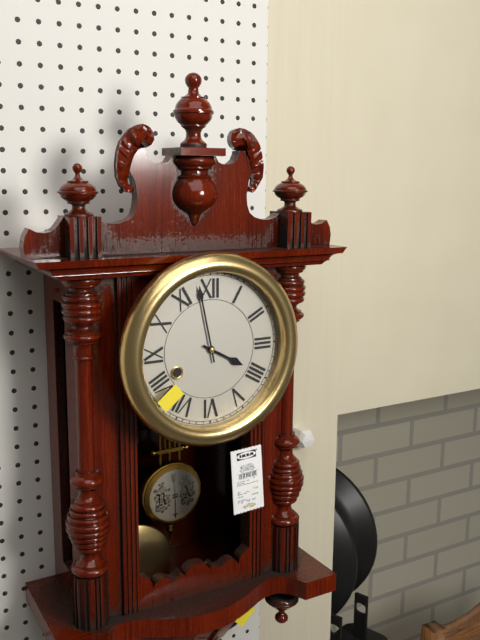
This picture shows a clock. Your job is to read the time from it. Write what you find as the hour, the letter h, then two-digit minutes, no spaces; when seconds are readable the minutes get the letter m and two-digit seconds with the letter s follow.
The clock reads 3h58
